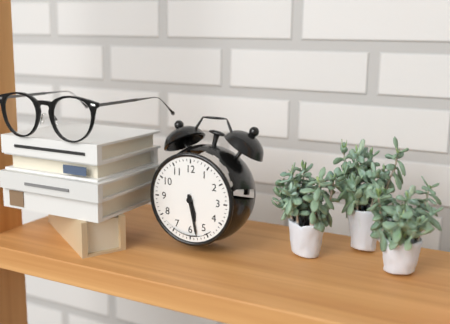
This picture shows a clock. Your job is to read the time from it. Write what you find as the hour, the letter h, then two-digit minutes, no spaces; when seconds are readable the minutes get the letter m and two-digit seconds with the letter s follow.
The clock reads 5h28
